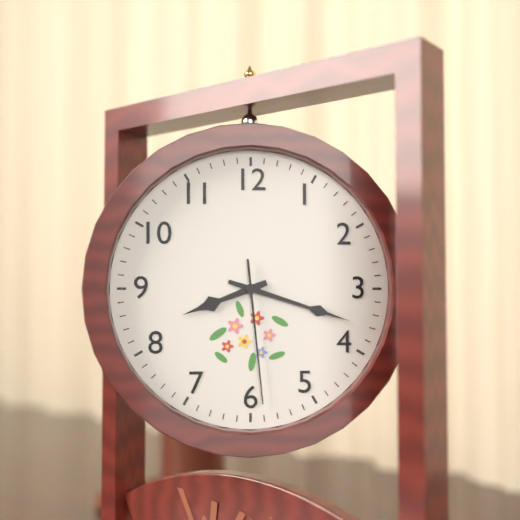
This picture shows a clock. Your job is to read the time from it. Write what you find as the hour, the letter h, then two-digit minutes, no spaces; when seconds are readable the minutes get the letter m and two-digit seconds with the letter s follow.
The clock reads 8h18m29s
